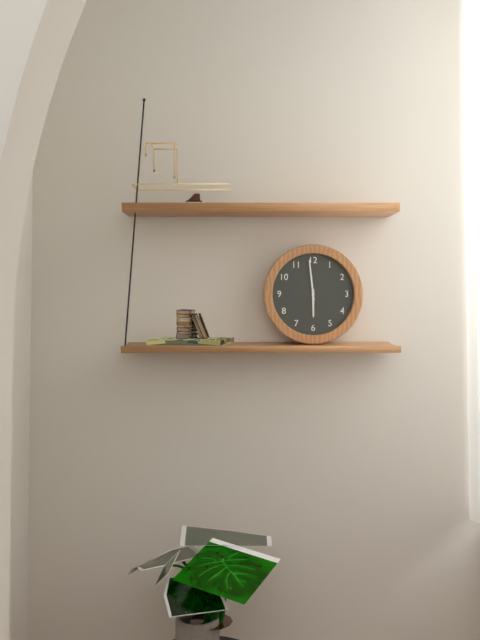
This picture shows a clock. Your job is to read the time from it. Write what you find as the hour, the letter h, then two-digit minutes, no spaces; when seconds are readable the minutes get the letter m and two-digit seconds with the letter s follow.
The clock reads 5h59
